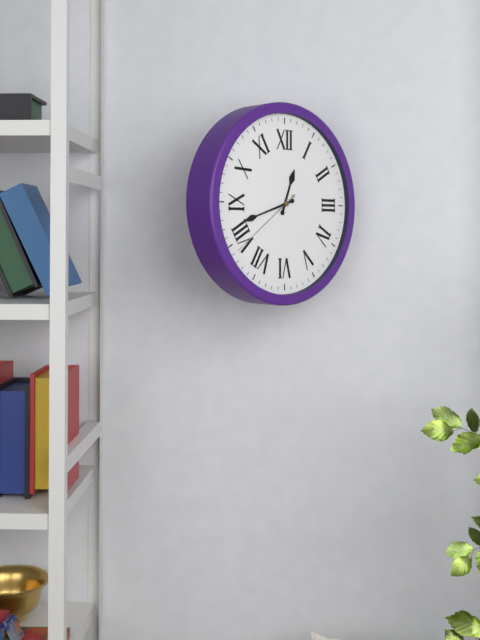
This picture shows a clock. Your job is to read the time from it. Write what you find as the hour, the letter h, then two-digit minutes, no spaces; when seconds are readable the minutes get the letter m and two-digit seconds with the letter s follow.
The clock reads 12h42m39s
